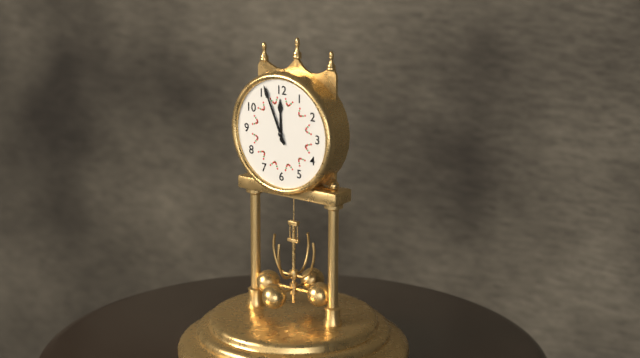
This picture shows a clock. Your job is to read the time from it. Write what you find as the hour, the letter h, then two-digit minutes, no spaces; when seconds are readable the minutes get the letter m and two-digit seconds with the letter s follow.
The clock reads 11h56
